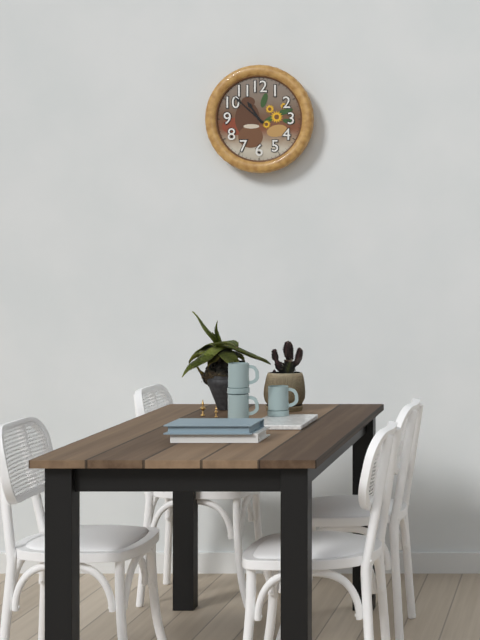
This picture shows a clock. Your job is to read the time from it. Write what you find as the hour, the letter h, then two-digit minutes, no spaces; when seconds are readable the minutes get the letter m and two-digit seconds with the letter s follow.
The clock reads 10h52
